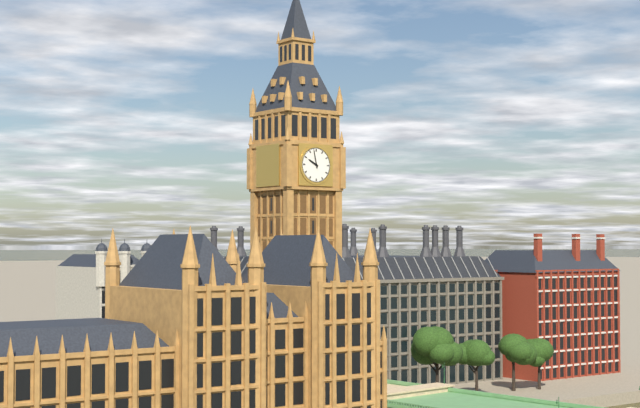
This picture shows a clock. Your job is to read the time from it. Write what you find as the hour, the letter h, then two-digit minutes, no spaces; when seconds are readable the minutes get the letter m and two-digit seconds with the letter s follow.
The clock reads 9h58
